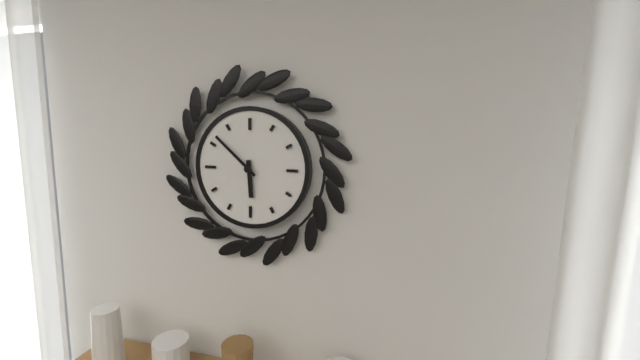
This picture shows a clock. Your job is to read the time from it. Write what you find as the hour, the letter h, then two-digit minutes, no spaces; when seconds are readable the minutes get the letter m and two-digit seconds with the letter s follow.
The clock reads 5h52
